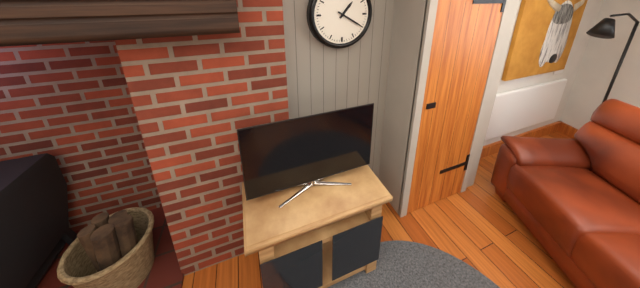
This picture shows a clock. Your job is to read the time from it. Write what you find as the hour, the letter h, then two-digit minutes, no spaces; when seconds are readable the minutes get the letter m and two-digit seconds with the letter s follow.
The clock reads 1h20
